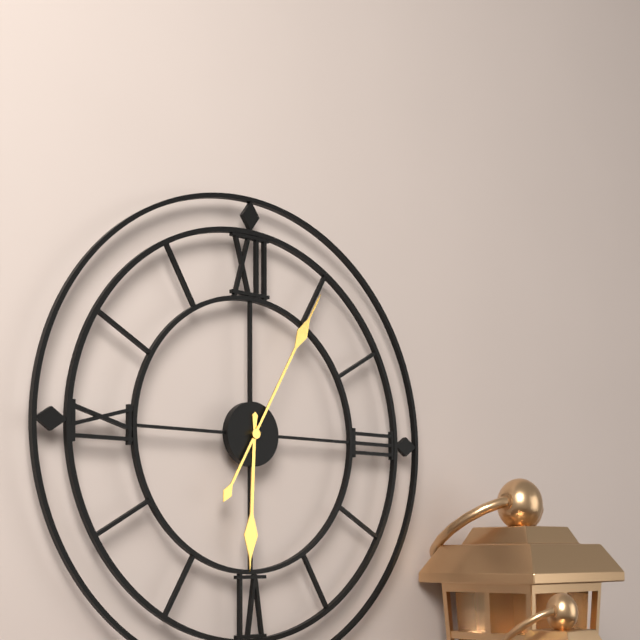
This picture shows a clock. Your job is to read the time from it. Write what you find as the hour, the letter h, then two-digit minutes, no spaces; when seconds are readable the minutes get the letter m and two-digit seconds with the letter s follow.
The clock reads 6h05
